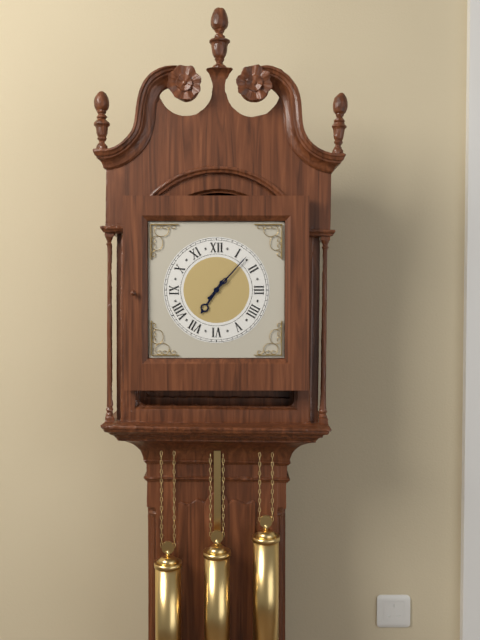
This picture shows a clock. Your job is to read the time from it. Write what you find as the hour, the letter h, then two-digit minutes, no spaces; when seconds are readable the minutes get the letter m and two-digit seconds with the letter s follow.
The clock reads 7h07
